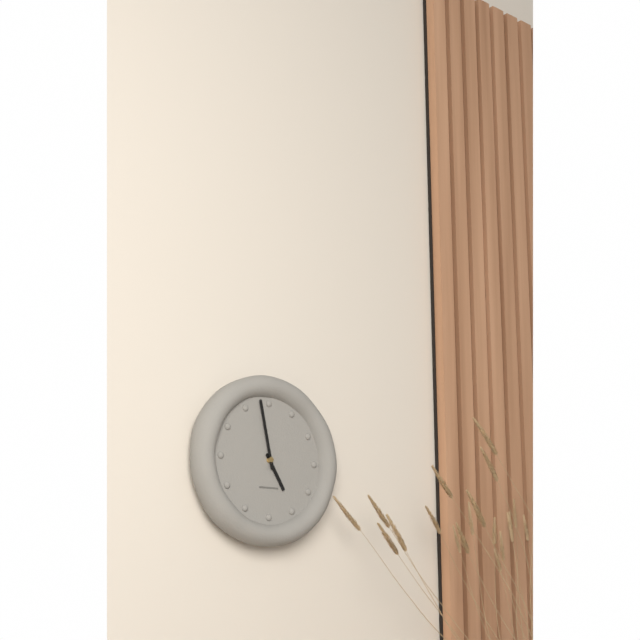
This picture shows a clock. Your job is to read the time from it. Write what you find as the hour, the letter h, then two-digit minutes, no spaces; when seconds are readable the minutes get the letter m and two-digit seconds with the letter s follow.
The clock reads 4h58
